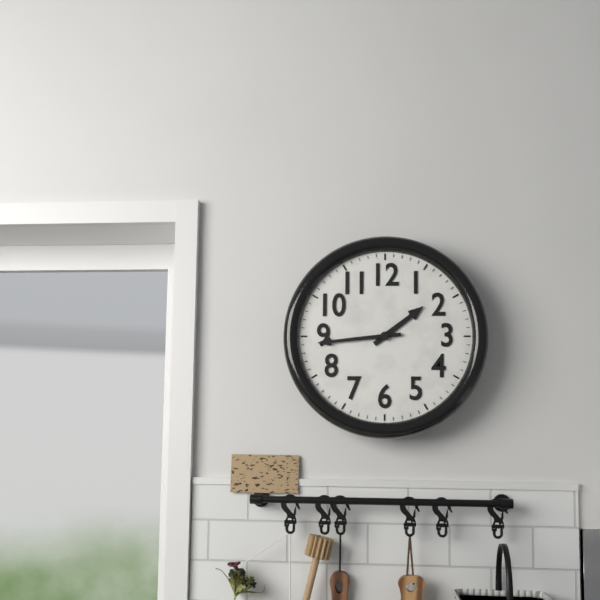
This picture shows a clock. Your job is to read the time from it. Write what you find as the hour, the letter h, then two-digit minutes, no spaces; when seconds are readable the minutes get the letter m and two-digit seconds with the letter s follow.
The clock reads 1h44
